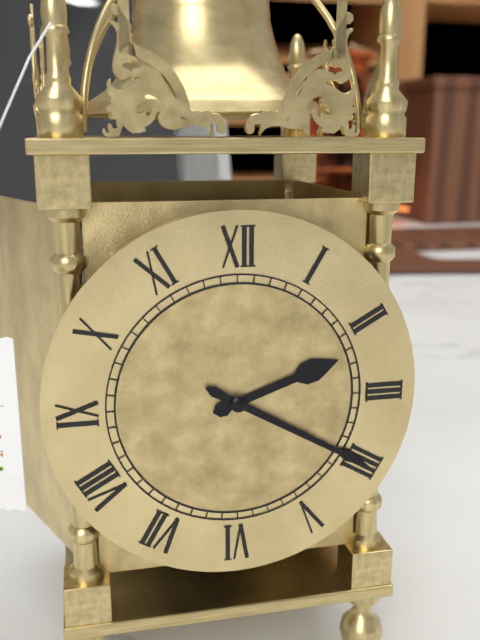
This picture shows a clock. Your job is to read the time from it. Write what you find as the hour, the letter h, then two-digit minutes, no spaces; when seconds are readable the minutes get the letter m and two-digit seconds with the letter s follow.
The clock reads 2h20
